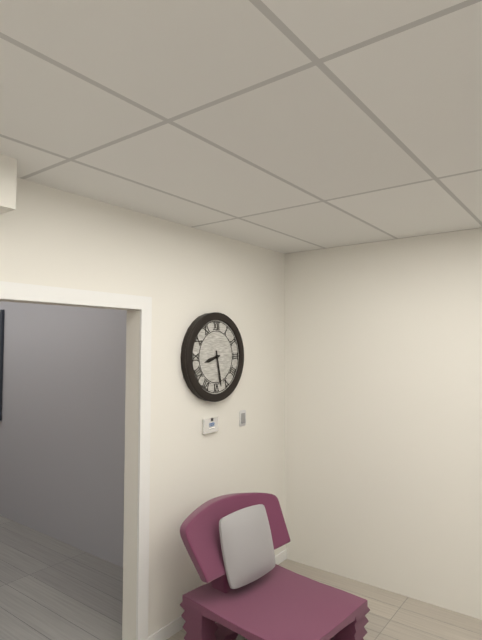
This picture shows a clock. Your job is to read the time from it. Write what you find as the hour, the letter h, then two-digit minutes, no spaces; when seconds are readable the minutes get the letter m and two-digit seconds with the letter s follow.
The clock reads 8h28
